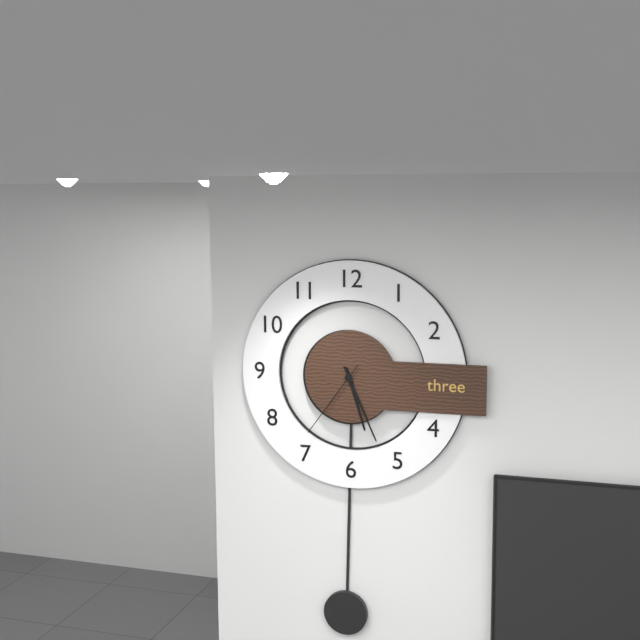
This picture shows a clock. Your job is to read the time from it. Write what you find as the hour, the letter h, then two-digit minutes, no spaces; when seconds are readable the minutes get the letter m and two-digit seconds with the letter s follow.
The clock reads 5h26m36s
